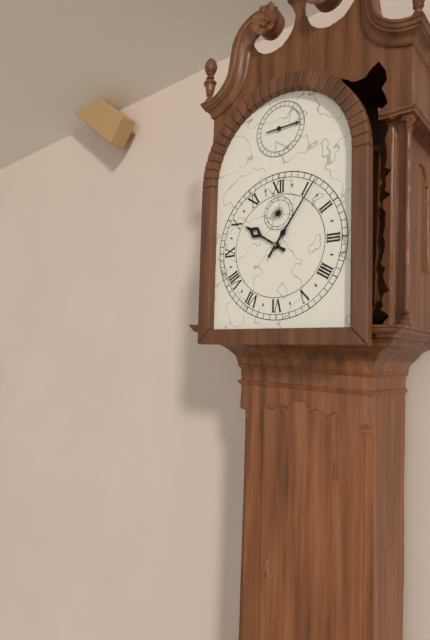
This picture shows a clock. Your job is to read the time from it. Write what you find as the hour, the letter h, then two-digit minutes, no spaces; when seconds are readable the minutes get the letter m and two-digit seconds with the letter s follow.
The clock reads 10h06
